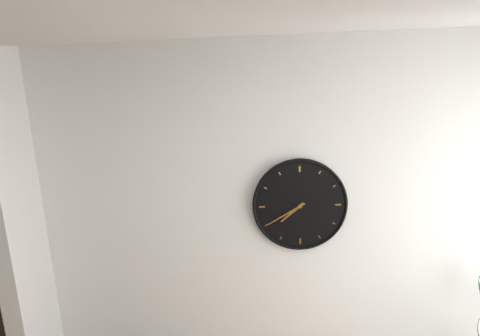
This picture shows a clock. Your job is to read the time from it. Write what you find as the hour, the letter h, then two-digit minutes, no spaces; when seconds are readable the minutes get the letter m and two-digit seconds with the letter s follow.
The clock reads 7h40
